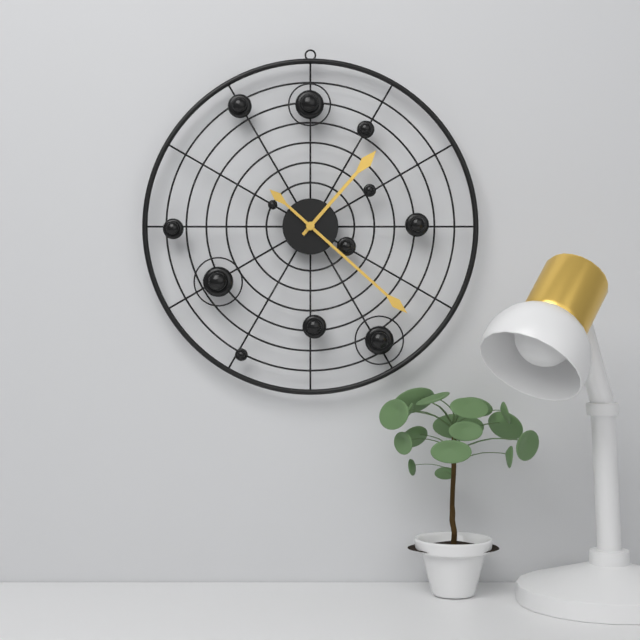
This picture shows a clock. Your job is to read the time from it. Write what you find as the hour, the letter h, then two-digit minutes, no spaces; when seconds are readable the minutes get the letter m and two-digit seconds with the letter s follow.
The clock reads 1h22
